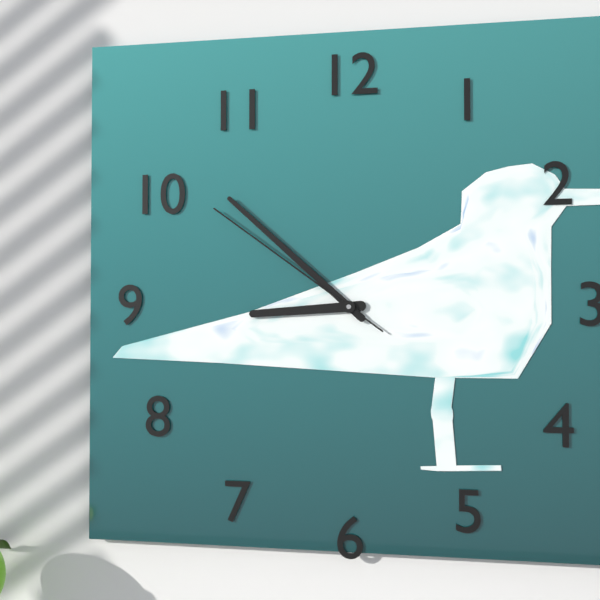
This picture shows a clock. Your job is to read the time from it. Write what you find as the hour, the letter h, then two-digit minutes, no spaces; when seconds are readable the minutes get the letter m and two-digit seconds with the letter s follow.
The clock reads 8h52m51s
